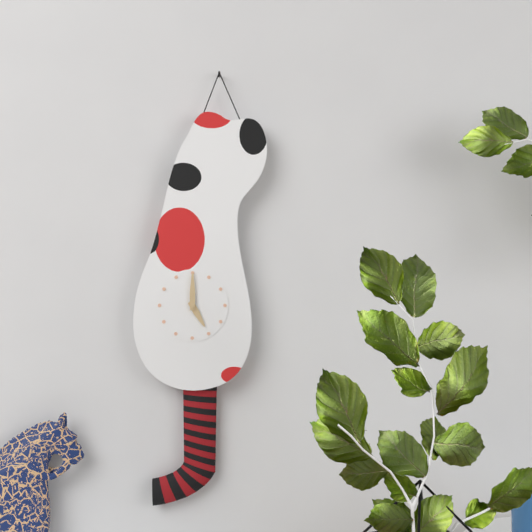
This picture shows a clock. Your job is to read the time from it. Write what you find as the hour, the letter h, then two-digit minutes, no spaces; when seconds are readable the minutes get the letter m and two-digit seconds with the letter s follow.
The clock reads 5h00
